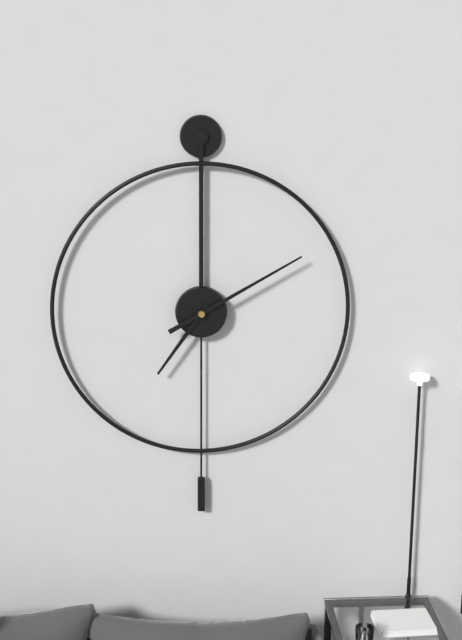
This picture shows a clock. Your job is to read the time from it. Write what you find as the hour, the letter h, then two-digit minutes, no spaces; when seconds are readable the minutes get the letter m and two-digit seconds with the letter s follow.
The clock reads 7h10
